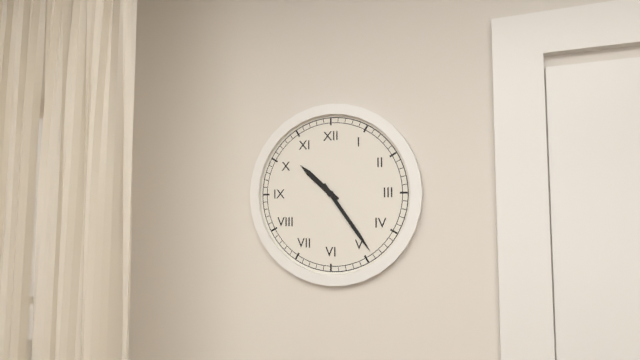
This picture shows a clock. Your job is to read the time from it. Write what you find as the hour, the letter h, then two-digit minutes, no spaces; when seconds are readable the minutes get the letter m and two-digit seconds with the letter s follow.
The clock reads 10h24
